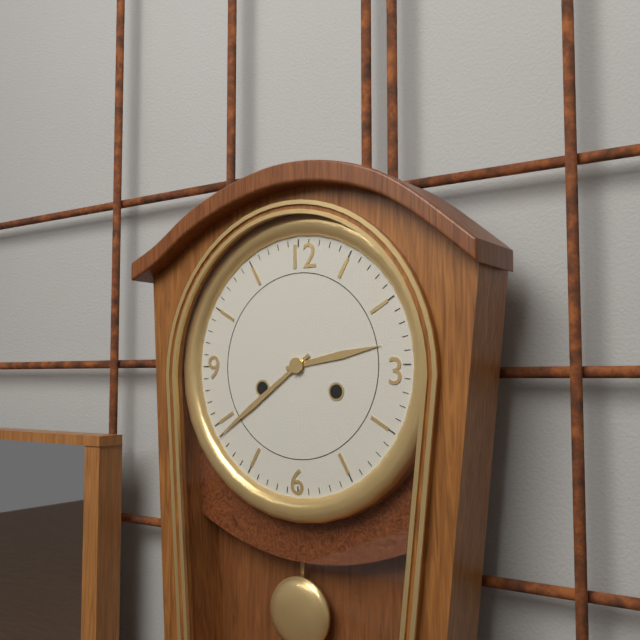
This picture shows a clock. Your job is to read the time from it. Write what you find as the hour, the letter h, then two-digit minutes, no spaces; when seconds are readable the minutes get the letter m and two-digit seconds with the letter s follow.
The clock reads 2h39
